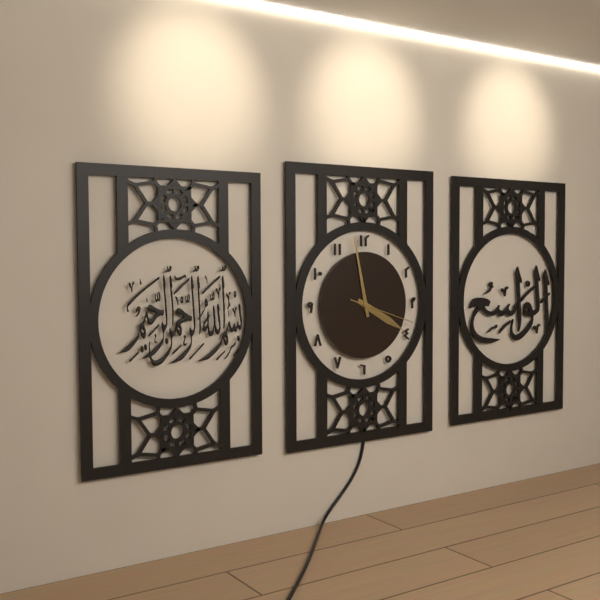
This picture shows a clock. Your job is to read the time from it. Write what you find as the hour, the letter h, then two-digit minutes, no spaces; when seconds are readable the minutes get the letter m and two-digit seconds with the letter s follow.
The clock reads 3h58m18s
